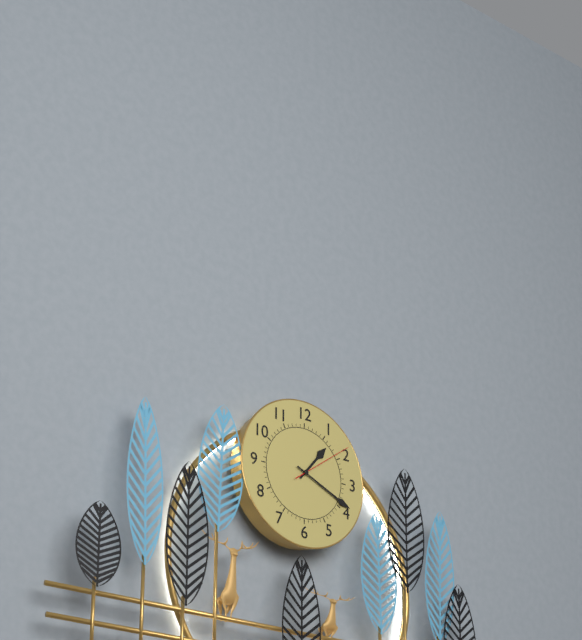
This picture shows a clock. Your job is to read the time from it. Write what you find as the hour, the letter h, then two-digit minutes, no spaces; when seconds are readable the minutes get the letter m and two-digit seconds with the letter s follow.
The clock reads 1h19m09s
